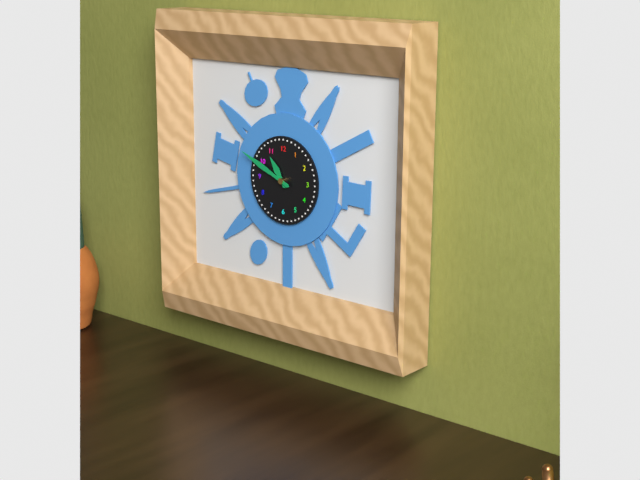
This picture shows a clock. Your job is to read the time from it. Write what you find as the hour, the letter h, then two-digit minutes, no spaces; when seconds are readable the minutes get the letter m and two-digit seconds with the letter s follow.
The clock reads 10h49
